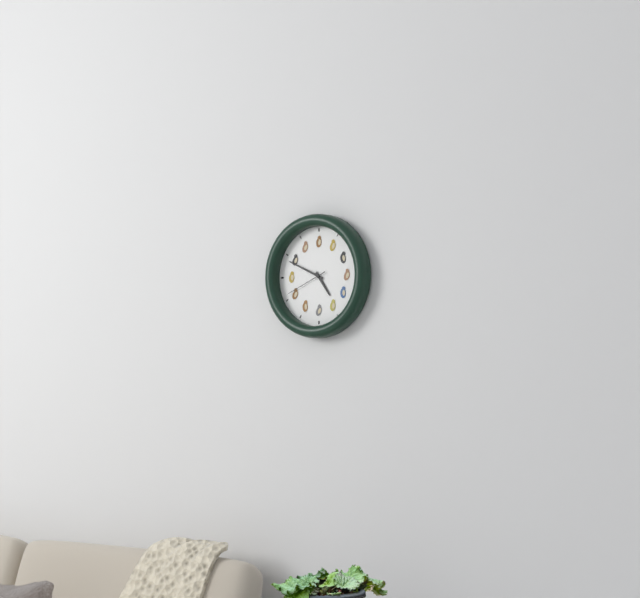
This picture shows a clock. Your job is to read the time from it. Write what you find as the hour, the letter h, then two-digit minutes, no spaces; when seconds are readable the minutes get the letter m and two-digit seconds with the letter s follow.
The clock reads 4h49
